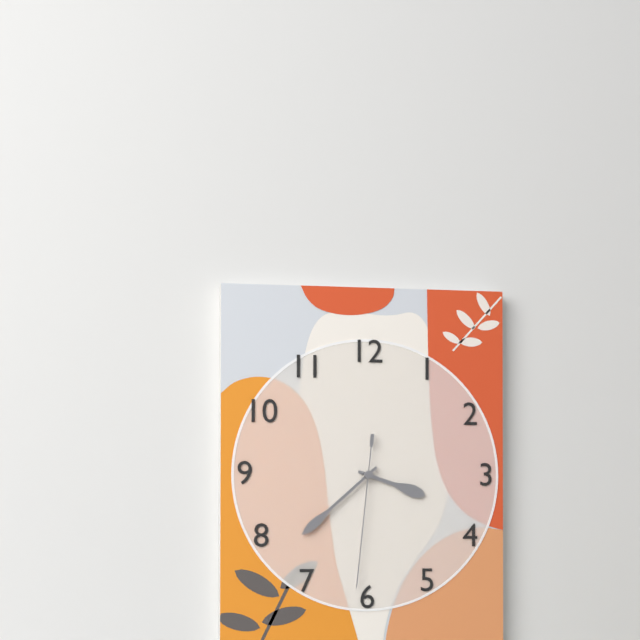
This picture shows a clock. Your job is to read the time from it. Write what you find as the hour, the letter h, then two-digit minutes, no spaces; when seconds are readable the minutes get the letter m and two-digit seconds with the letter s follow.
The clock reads 3h38m31s
